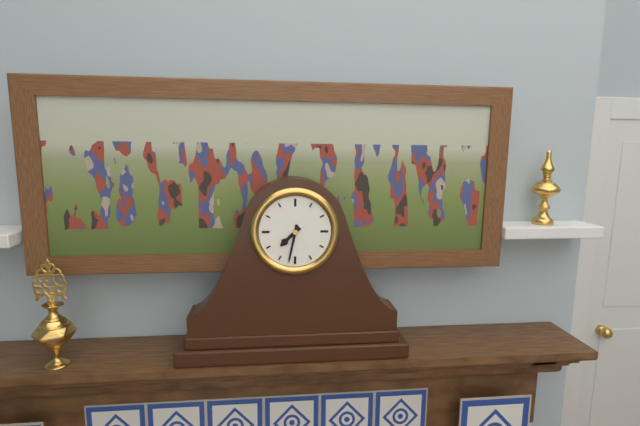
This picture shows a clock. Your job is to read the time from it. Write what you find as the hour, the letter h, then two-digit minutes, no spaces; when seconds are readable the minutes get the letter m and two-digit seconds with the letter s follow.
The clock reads 7h32
